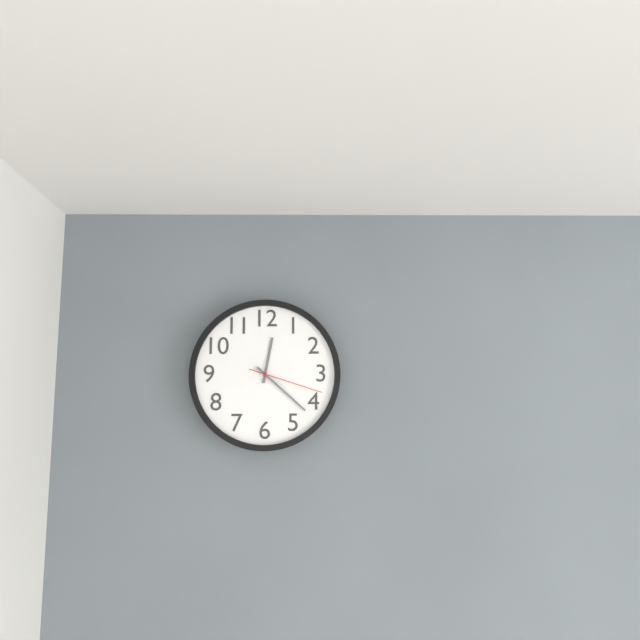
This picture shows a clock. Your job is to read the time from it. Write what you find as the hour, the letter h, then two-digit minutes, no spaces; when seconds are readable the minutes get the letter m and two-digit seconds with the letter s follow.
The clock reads 12h22m18s
